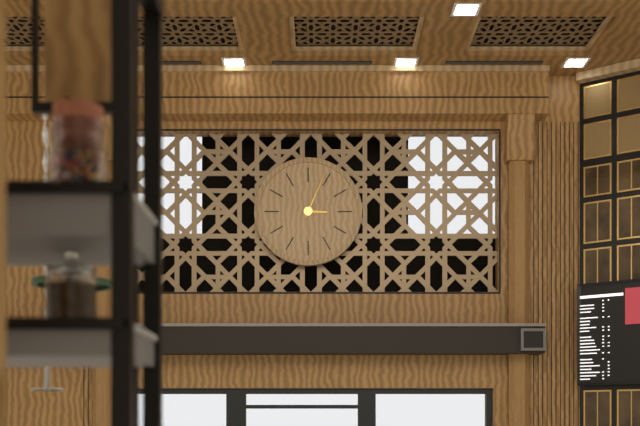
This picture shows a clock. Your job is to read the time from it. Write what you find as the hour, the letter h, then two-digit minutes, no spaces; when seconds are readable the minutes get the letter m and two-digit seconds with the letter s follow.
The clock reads 3h04
